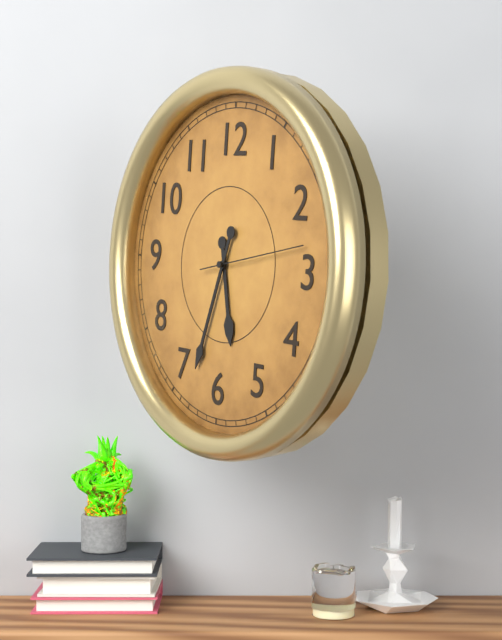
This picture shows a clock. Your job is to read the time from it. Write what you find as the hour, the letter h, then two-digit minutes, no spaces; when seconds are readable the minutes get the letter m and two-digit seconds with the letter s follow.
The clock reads 5h33m13s
